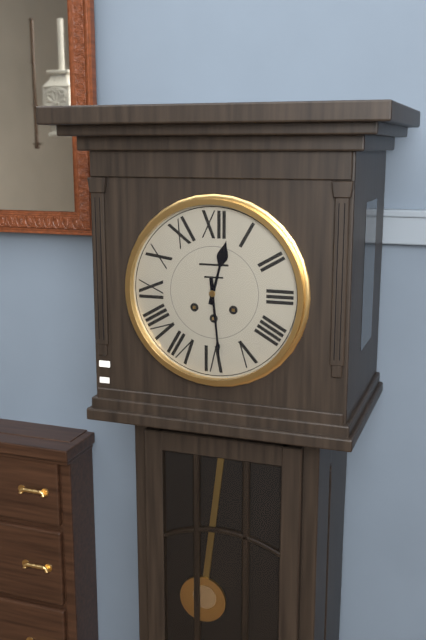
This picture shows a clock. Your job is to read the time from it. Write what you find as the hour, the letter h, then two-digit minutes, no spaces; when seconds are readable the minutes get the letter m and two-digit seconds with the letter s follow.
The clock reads 12h29
